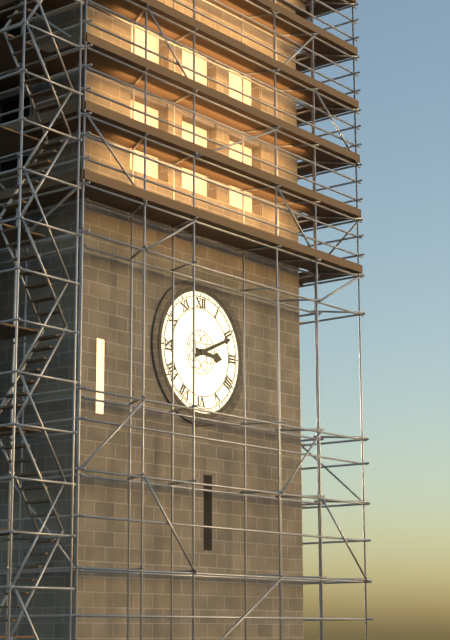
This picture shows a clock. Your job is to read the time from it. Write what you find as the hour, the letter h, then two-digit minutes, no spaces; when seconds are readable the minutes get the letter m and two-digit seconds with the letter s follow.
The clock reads 3h11
